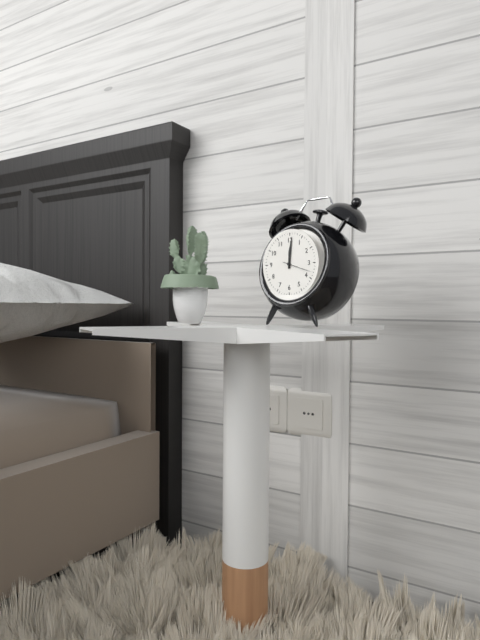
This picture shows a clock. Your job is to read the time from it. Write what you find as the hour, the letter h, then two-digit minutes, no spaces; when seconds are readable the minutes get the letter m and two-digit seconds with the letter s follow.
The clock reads 12h01
